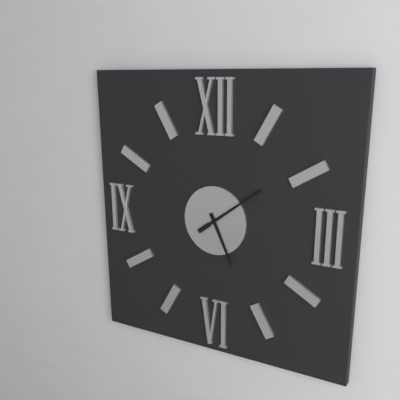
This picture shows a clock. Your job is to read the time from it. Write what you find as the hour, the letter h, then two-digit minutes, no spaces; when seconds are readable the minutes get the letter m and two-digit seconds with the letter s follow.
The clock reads 5h09
